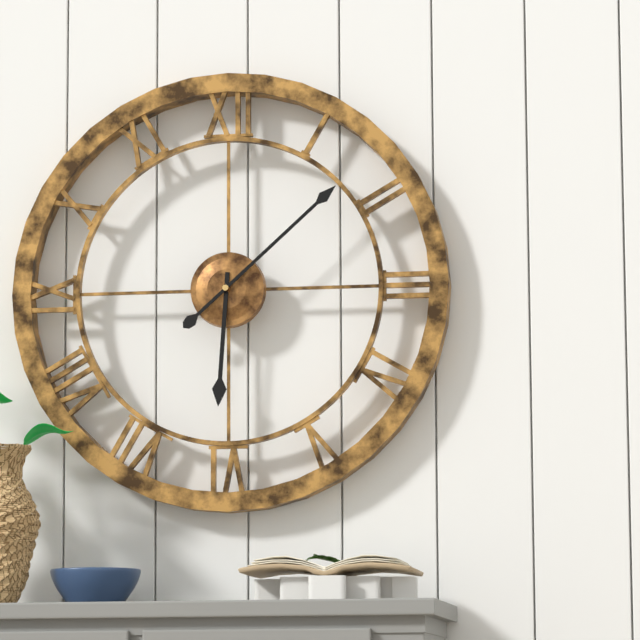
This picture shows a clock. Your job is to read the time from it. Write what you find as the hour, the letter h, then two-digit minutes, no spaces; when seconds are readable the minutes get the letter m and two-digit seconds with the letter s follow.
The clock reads 6h08
